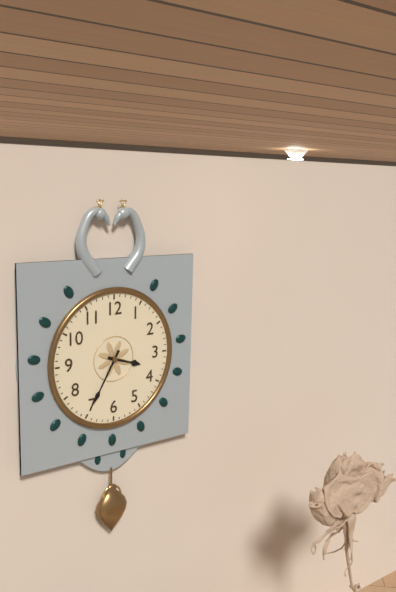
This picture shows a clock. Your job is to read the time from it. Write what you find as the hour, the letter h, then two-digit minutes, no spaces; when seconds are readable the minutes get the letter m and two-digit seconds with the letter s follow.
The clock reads 3h35
